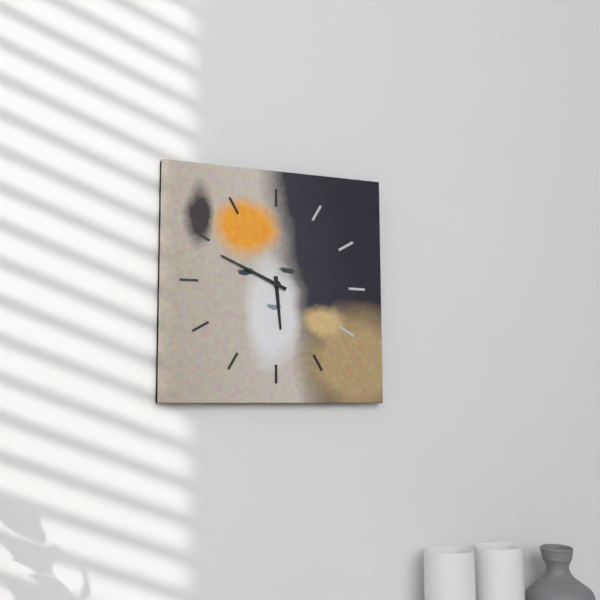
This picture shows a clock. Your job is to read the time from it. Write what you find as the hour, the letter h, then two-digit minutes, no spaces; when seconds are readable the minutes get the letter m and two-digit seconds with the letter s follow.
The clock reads 5h49
